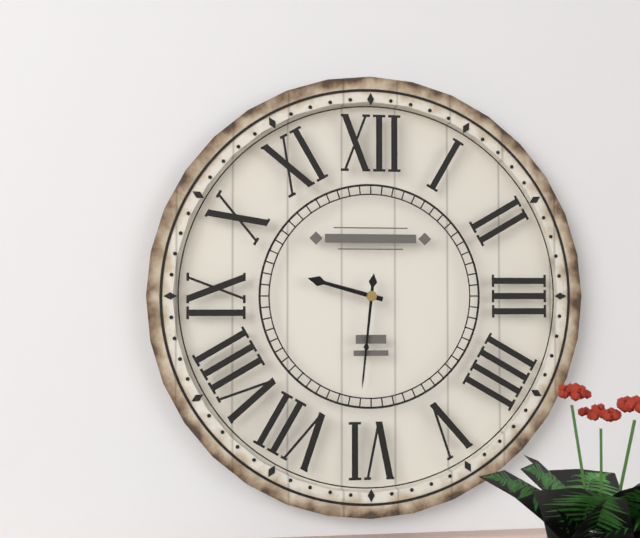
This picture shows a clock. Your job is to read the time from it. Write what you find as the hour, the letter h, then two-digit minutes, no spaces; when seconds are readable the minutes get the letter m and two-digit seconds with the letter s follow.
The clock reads 9h31
